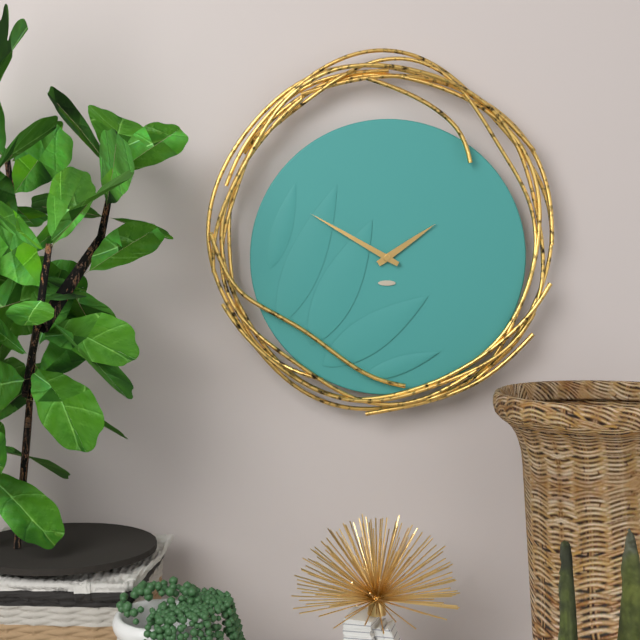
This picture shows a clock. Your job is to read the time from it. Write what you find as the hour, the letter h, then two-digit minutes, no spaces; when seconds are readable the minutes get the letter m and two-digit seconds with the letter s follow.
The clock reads 1h50
